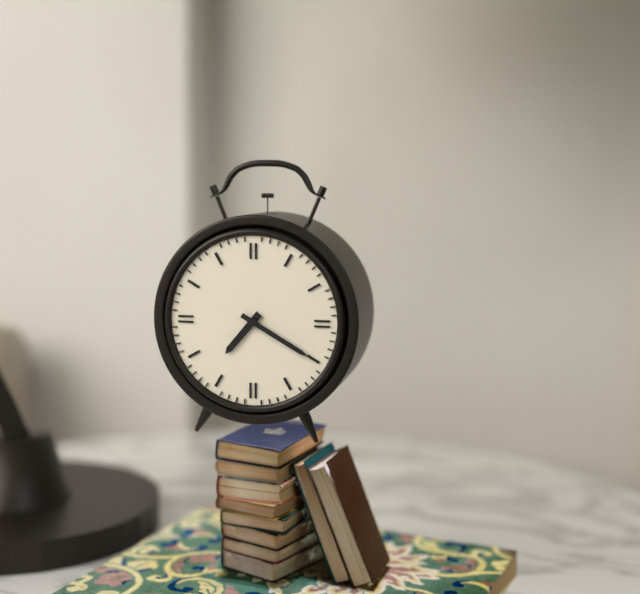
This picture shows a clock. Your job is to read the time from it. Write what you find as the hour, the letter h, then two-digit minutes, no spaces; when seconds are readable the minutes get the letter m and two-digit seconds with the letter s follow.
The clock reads 7h20
